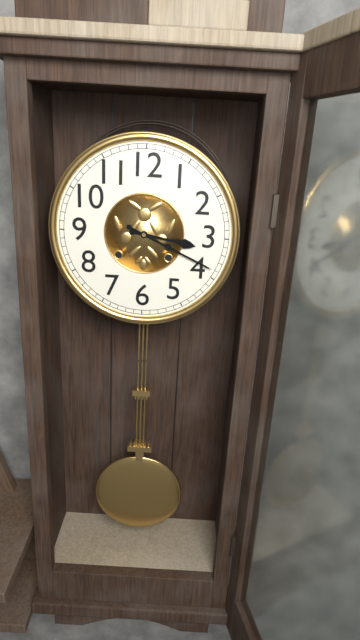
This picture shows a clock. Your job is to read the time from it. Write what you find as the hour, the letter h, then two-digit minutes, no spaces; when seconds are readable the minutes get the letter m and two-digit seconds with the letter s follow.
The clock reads 3h19
